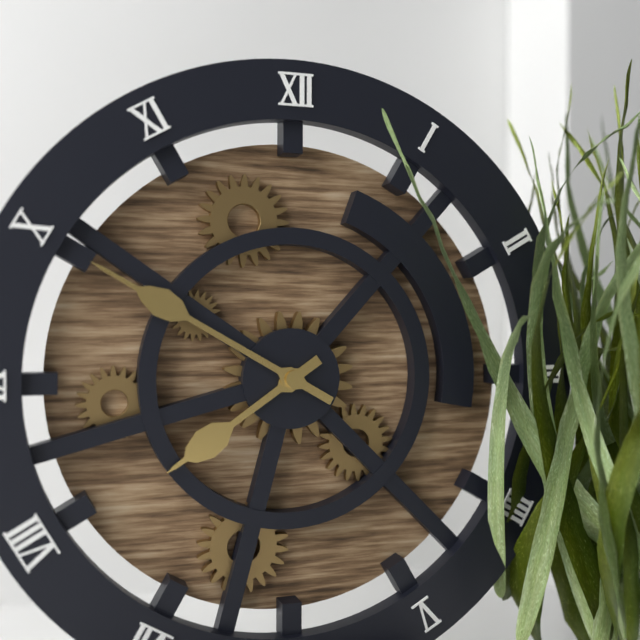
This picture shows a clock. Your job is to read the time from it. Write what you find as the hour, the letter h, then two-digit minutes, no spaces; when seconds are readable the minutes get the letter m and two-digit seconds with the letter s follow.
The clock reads 7h50
